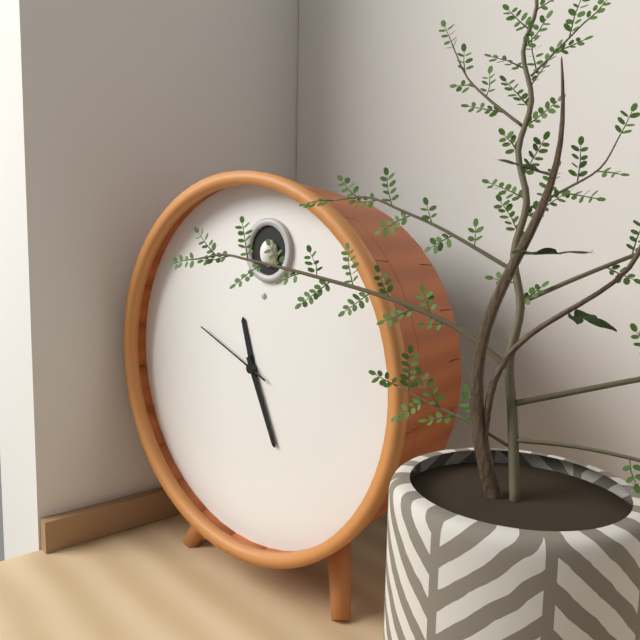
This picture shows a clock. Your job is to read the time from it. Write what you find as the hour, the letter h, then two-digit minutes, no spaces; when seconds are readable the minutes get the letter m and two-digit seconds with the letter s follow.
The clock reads 11h26m49s
